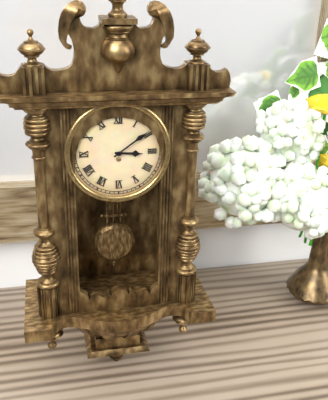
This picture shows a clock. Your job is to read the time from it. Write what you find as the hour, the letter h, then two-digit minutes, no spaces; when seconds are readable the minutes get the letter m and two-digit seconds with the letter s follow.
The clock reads 3h09
